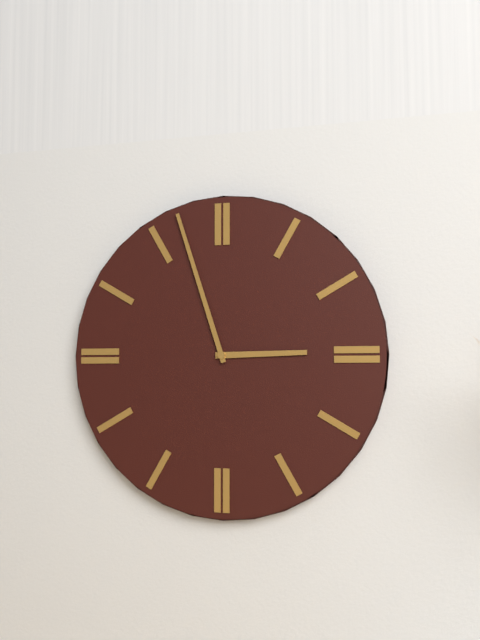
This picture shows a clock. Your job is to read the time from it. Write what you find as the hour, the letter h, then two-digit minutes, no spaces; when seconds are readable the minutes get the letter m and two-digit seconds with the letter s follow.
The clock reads 2h57
